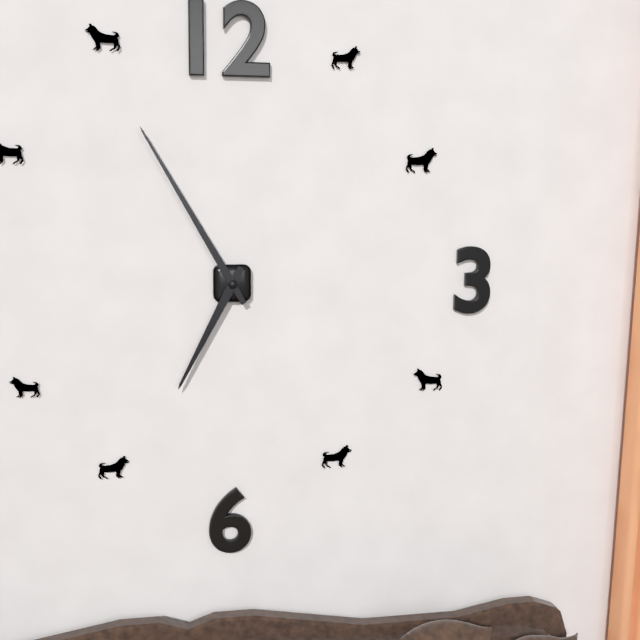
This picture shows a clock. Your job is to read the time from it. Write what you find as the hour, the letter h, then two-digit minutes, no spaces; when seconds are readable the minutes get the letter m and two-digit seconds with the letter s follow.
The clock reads 6h55
